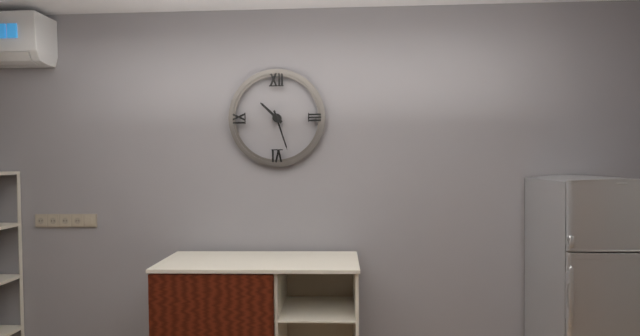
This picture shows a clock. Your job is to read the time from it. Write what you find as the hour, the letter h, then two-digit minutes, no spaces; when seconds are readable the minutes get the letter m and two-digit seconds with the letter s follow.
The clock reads 10h27
